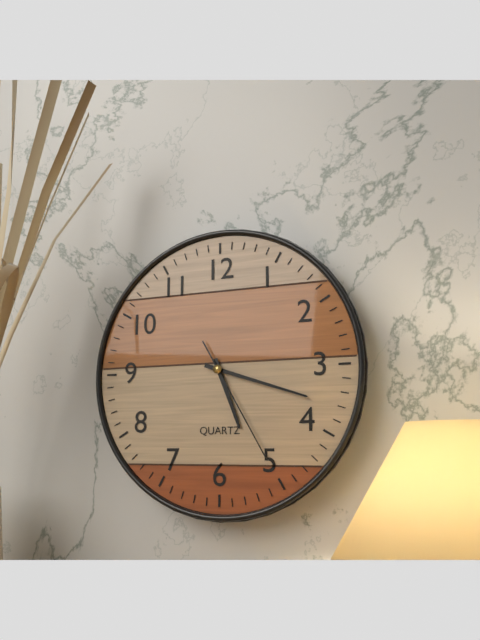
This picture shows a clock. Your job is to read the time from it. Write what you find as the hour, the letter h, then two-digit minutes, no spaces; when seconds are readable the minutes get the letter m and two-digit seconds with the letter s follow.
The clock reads 5h18m25s
